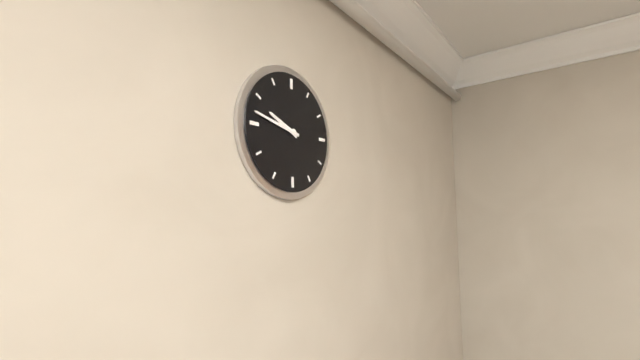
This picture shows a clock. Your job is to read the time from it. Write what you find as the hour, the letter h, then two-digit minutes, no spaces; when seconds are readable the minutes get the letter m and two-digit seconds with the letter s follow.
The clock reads 9h47
